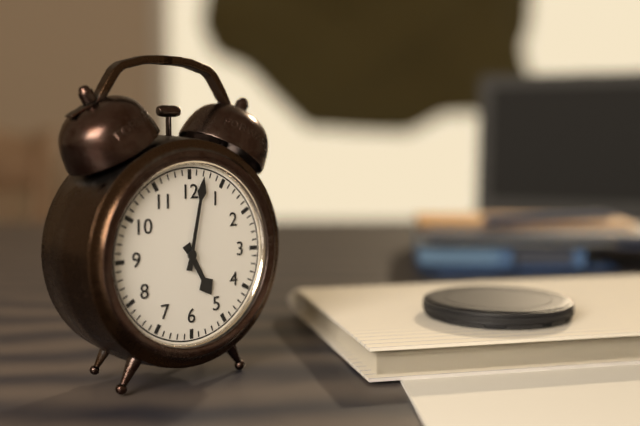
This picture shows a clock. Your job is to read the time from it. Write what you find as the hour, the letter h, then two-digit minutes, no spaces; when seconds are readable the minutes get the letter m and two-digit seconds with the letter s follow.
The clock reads 5h02
